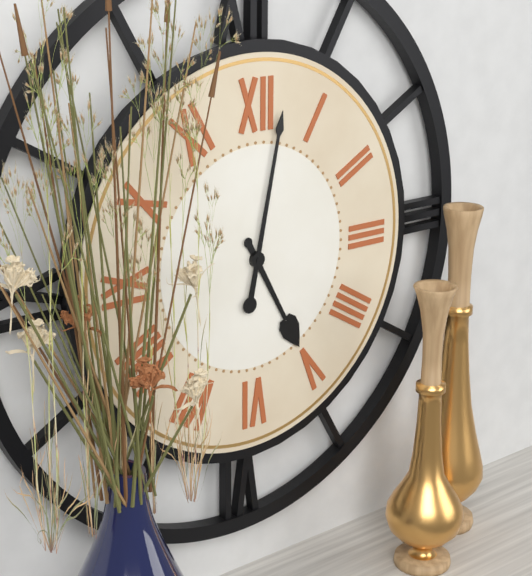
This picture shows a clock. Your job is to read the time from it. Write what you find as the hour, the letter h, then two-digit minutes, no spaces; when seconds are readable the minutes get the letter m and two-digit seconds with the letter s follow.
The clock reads 5h02
